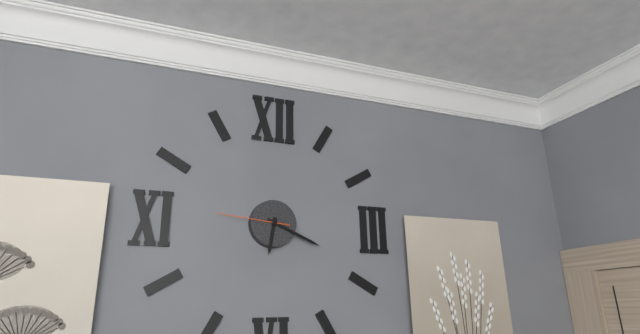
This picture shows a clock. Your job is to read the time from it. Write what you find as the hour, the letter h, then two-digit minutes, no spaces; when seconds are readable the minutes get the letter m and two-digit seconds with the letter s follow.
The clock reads 6h19m46s
